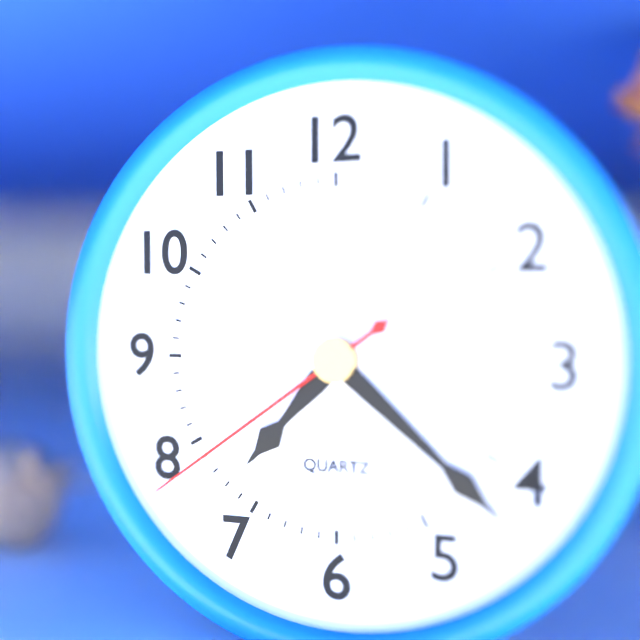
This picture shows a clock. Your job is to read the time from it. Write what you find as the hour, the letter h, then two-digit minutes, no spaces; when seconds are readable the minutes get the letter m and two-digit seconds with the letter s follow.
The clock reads 7h22m39s
